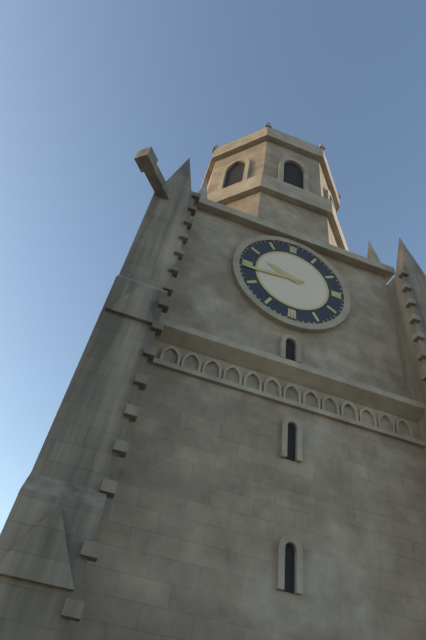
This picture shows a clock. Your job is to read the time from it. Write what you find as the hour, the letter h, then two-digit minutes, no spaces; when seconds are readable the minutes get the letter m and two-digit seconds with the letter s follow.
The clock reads 9h44
